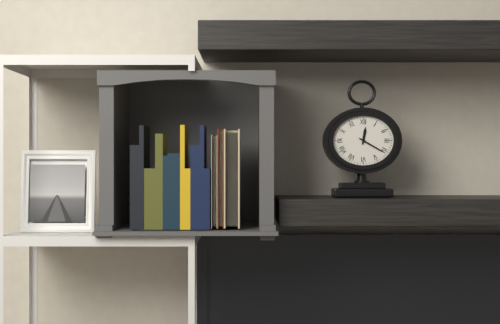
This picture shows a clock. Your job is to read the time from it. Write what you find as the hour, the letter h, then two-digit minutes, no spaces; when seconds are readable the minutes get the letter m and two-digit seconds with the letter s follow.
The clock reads 12h20
